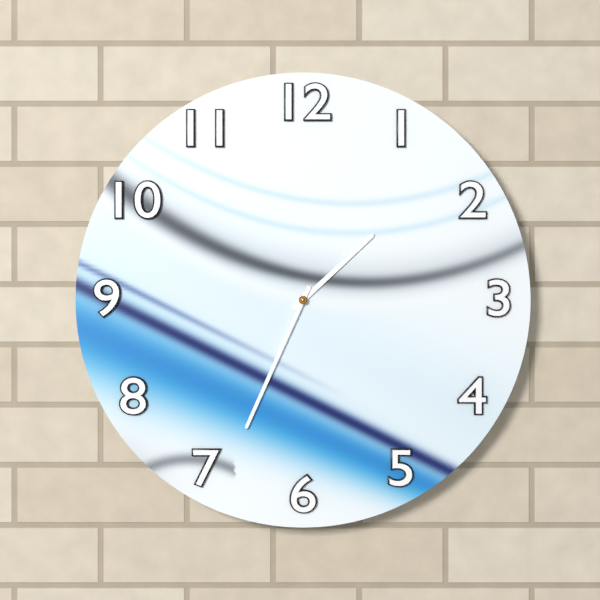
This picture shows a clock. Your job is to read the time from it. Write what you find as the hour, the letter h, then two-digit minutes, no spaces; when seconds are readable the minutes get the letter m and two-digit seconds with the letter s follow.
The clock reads 1h34
